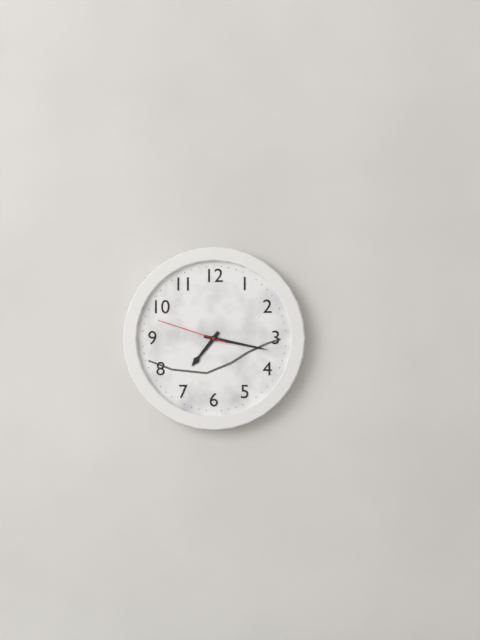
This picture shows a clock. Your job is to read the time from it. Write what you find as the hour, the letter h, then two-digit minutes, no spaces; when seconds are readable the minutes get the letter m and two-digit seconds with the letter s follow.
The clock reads 7h17m48s
